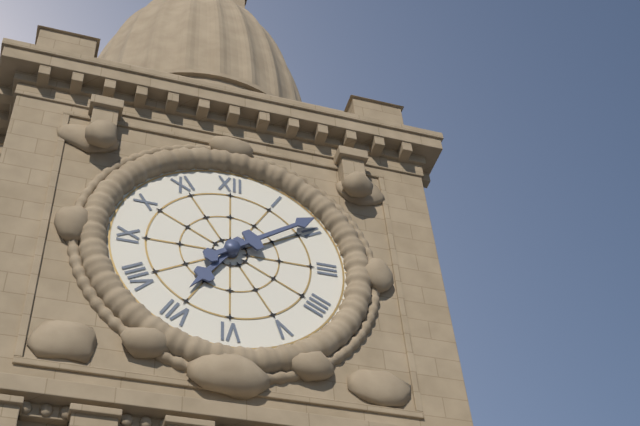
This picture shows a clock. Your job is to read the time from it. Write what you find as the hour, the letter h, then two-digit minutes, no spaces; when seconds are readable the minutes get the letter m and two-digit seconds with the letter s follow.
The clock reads 7h09
